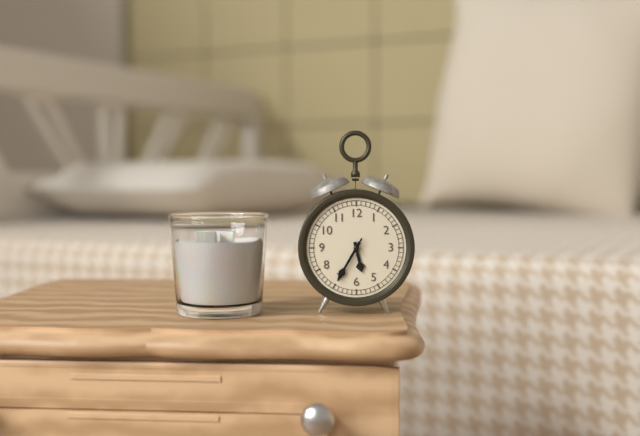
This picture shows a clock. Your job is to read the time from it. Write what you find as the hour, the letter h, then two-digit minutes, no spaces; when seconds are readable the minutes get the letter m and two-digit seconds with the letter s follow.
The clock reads 5h35
